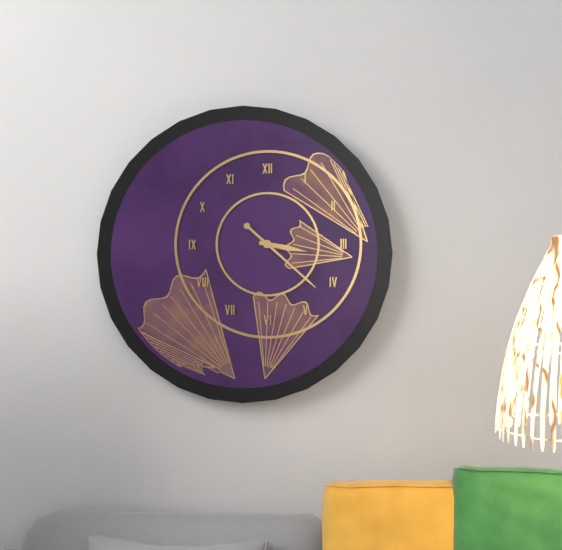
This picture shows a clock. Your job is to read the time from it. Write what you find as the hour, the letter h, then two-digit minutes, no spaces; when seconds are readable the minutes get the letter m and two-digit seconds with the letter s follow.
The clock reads 3h22
